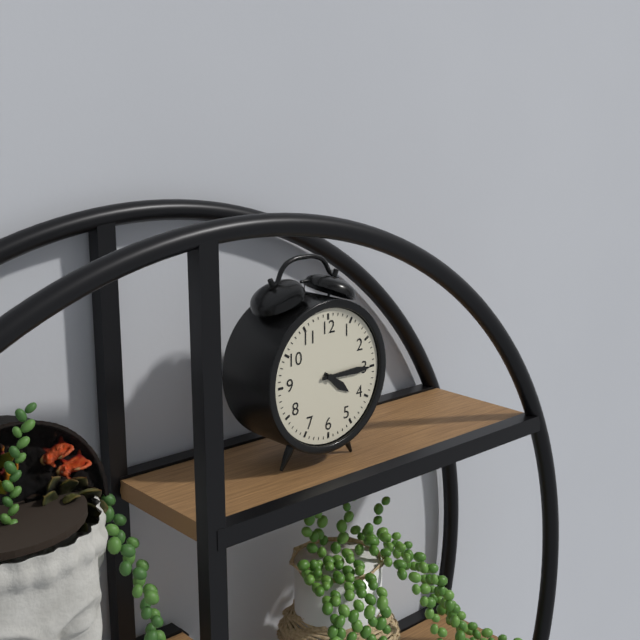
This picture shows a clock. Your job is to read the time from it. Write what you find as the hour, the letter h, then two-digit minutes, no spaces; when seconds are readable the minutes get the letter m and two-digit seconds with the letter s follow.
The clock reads 4h15
